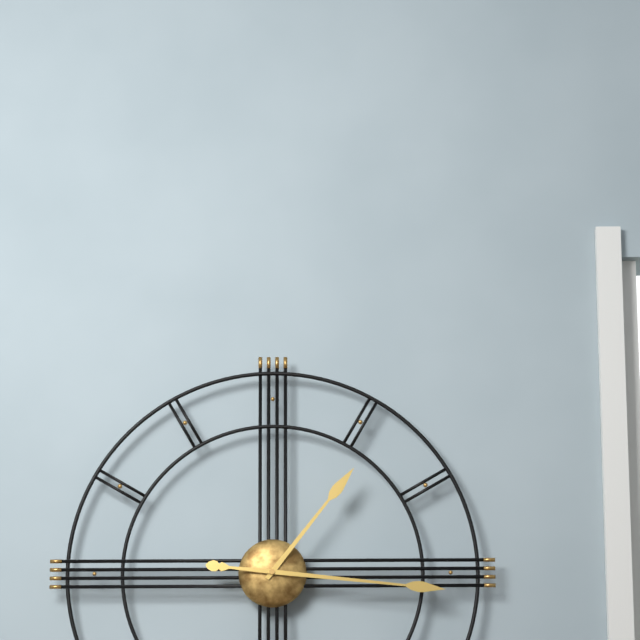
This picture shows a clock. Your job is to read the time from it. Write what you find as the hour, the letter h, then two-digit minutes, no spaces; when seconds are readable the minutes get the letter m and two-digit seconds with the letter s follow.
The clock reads 1h16
